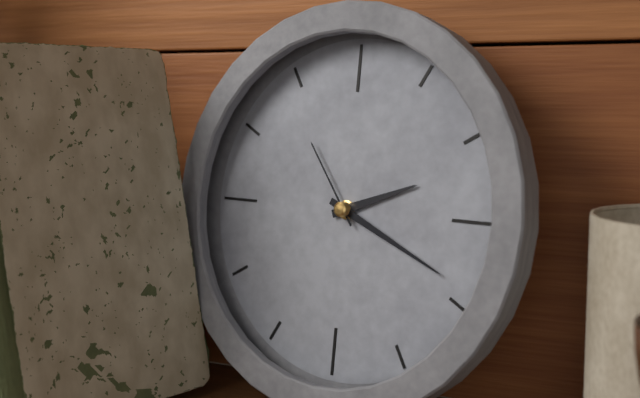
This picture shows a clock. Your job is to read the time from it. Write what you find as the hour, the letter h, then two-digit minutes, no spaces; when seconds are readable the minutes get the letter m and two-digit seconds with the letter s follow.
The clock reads 2h19m54s
